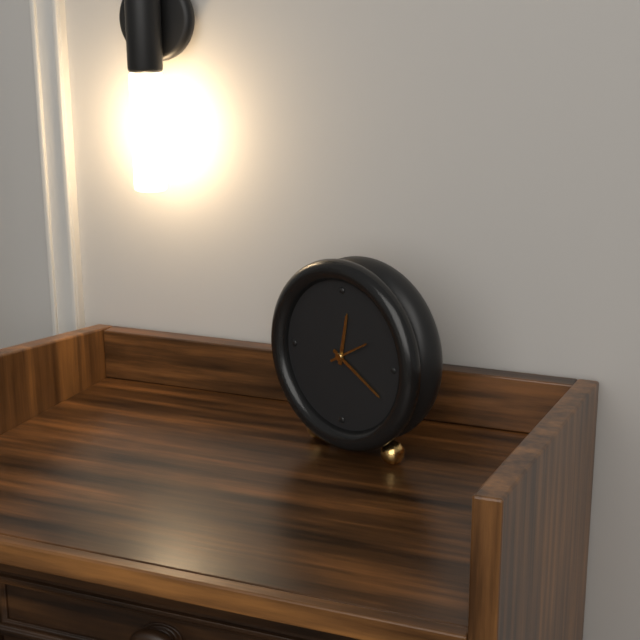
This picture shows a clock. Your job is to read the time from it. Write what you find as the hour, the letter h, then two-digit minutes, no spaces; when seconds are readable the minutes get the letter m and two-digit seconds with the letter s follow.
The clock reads 12h20
